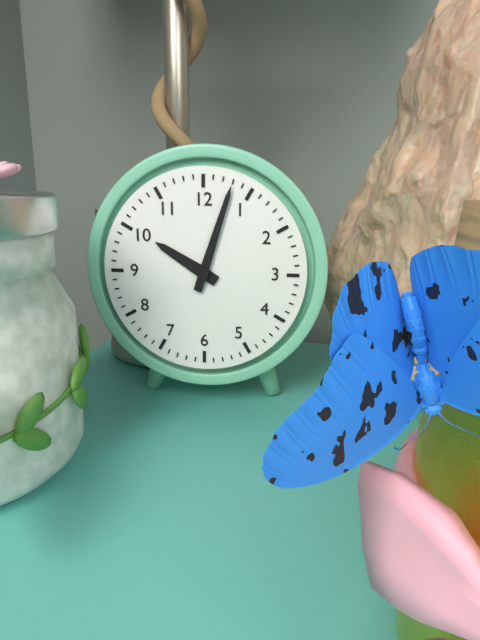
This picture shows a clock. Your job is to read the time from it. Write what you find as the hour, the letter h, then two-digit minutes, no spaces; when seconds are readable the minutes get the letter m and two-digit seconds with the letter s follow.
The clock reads 10h03
